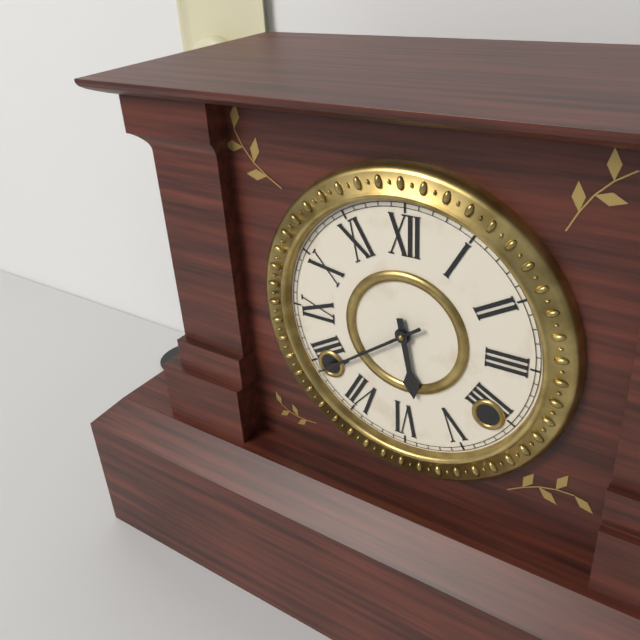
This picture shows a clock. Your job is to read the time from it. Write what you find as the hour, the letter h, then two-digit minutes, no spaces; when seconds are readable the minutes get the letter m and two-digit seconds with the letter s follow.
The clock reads 5h39
